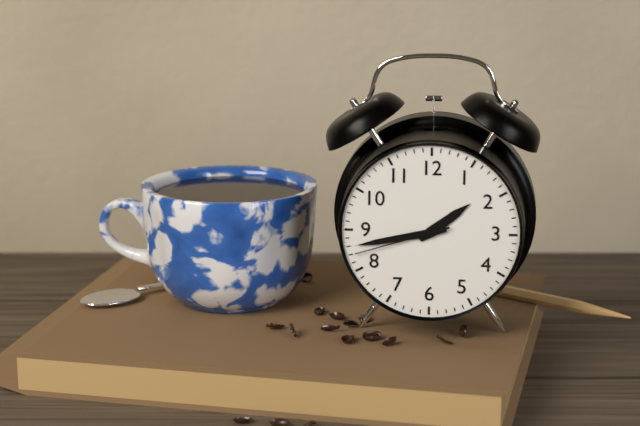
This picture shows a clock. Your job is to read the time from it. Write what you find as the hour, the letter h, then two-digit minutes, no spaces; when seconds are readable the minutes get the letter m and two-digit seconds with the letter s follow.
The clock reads 1h43m42s
